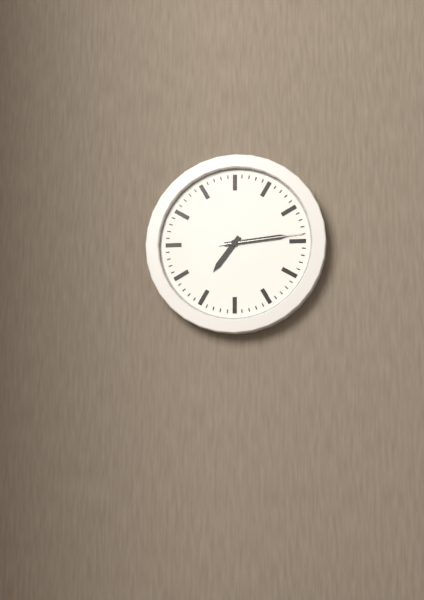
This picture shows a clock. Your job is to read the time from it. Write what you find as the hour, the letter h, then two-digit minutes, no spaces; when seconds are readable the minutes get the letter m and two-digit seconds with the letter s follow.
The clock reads 7h14m14s
